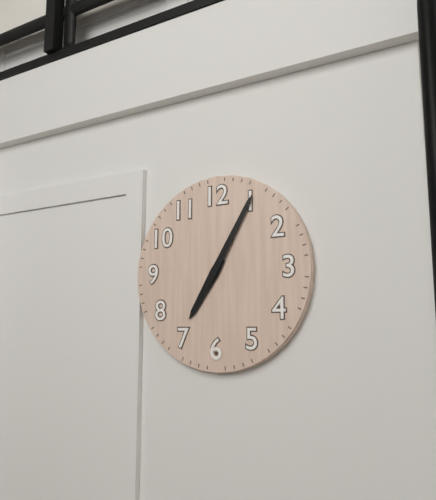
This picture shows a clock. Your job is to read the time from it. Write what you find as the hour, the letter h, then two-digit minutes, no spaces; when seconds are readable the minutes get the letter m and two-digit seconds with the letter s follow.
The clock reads 7h05
